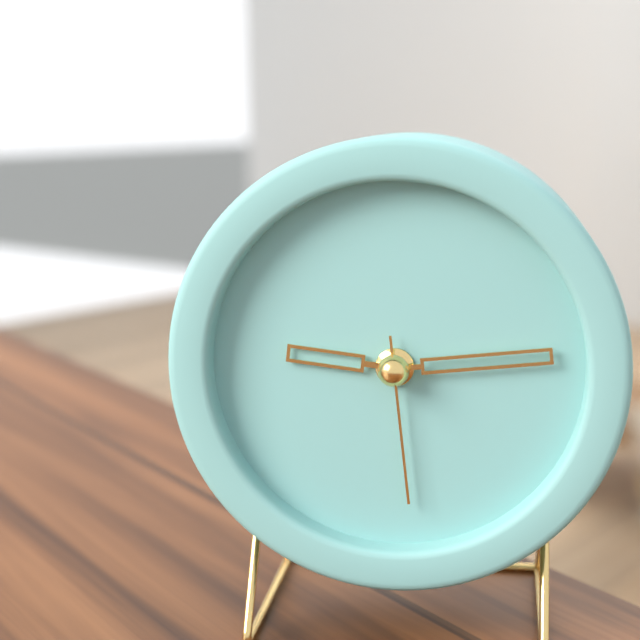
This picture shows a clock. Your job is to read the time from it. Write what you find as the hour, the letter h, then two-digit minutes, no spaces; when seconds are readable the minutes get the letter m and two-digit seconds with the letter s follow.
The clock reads 9h14m29s
